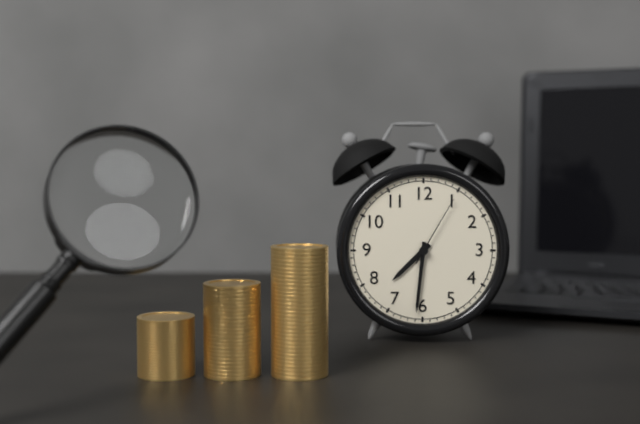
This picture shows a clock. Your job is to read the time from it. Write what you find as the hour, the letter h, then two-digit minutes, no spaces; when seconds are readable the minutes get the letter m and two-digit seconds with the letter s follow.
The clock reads 7h31m05s
